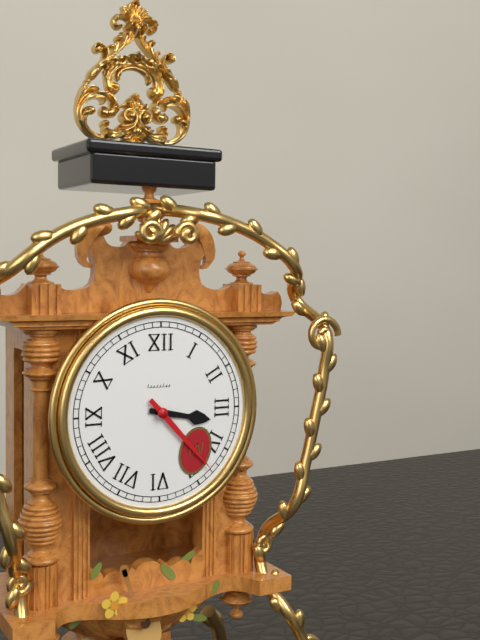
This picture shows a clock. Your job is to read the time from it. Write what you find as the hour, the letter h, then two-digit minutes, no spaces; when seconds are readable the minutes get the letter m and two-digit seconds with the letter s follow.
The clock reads 3h23
